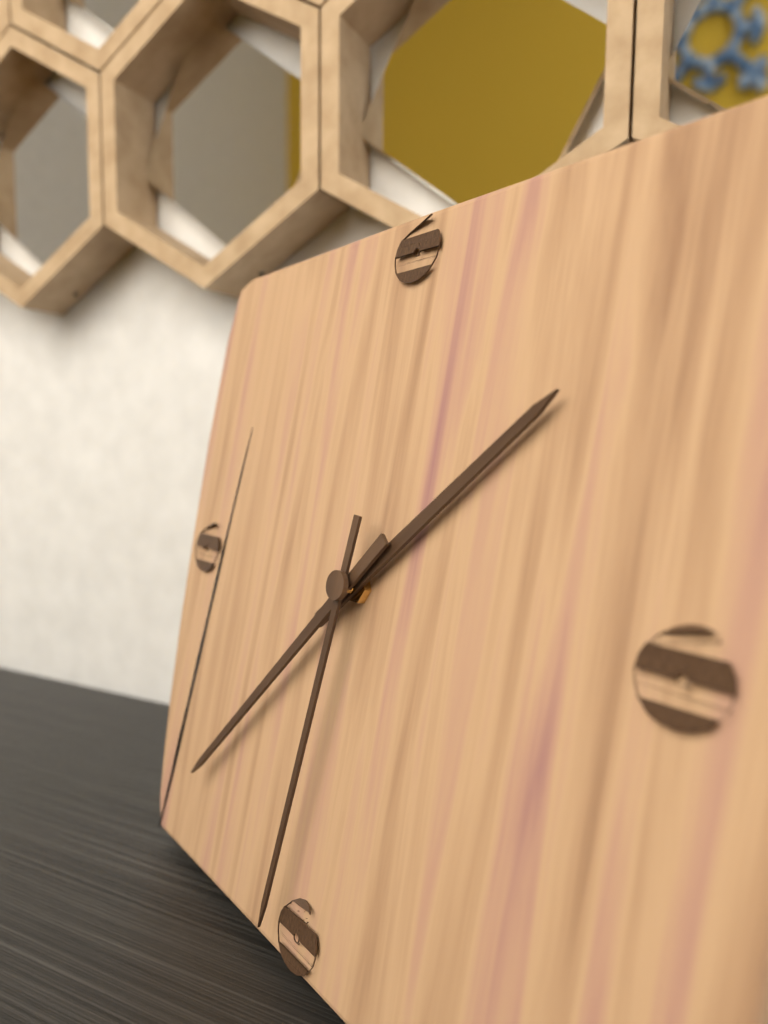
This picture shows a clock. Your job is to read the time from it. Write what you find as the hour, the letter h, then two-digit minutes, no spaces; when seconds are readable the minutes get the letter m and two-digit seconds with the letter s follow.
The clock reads 1h37m31s
